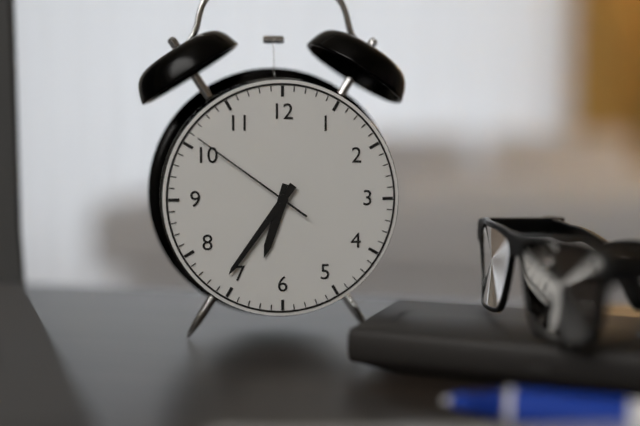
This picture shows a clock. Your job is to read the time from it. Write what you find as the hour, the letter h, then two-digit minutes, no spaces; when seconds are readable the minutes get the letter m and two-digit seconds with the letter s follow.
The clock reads 6h36m51s
